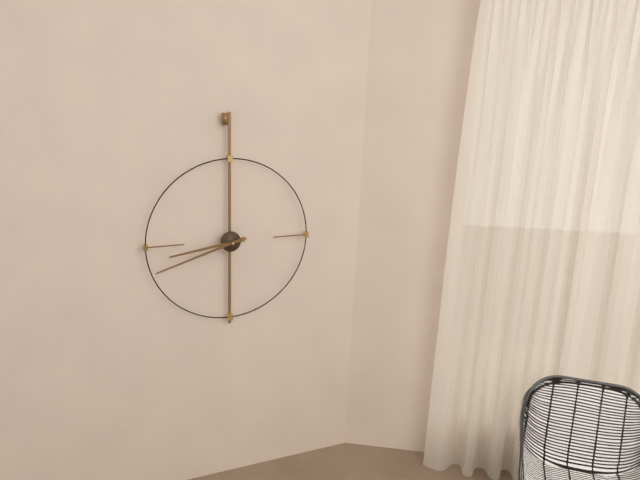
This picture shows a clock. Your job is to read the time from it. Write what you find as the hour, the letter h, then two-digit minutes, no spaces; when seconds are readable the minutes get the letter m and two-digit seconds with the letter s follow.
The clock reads 8h42
